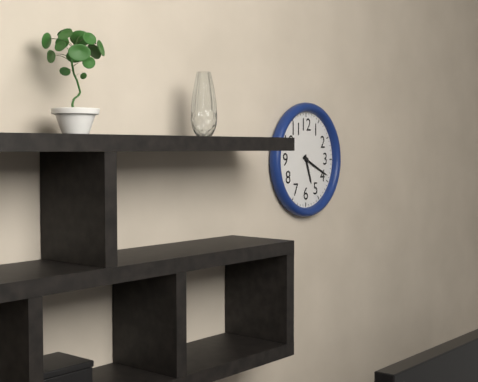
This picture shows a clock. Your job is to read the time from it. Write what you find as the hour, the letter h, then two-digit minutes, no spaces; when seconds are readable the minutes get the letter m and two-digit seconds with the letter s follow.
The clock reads 5h19
